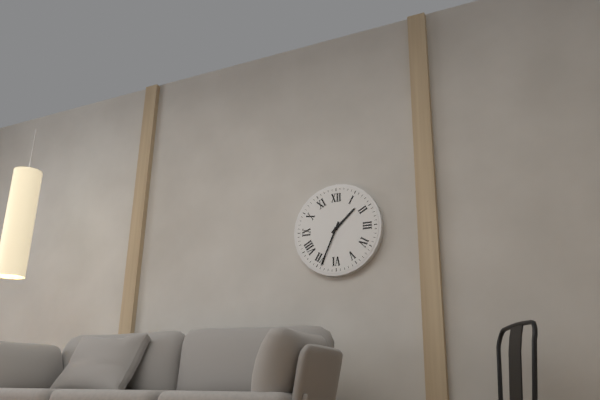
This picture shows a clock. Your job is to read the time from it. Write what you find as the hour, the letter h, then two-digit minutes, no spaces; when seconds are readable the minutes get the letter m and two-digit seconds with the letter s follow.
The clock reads 1h34
